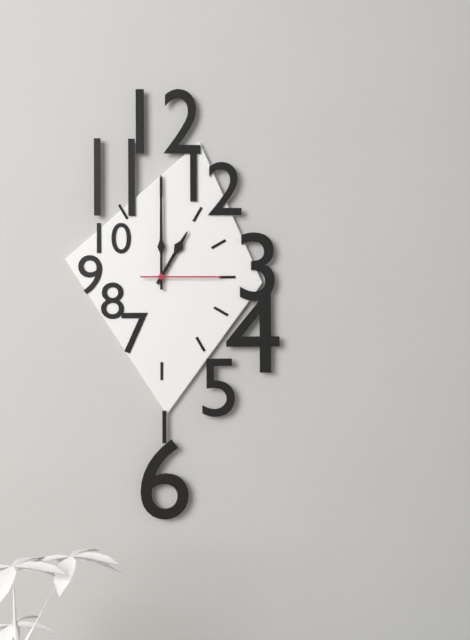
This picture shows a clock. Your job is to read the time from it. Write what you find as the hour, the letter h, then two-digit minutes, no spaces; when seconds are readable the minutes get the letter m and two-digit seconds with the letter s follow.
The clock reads 1h00m15s
